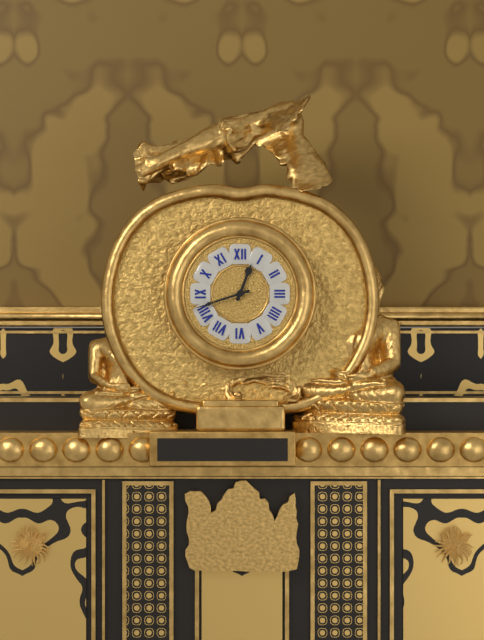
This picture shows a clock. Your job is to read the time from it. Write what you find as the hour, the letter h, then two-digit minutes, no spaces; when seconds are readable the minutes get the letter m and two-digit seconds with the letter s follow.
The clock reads 12h42
